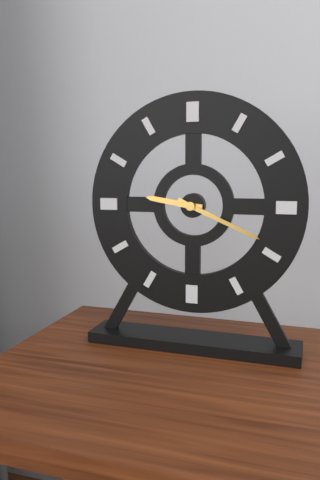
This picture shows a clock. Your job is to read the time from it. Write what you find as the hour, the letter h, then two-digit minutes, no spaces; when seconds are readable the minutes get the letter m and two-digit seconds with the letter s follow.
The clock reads 9h19
